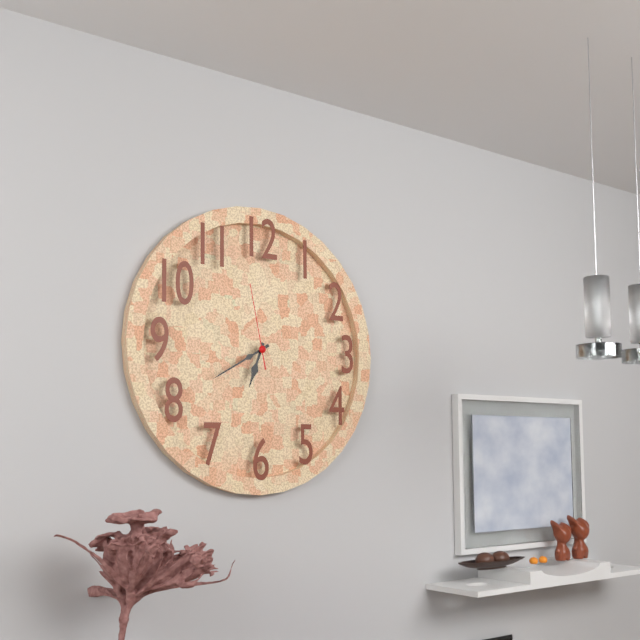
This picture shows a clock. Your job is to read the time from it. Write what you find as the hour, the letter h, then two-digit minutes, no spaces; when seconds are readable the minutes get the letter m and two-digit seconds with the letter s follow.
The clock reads 6h40m58s
